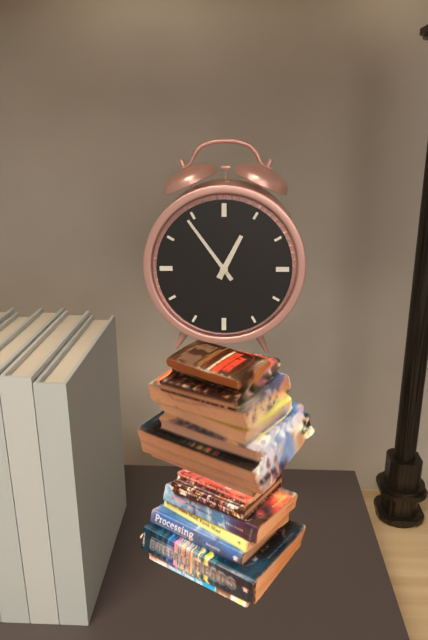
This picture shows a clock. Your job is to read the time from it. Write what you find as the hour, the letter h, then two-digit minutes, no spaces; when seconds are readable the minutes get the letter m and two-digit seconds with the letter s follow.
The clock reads 12h54
